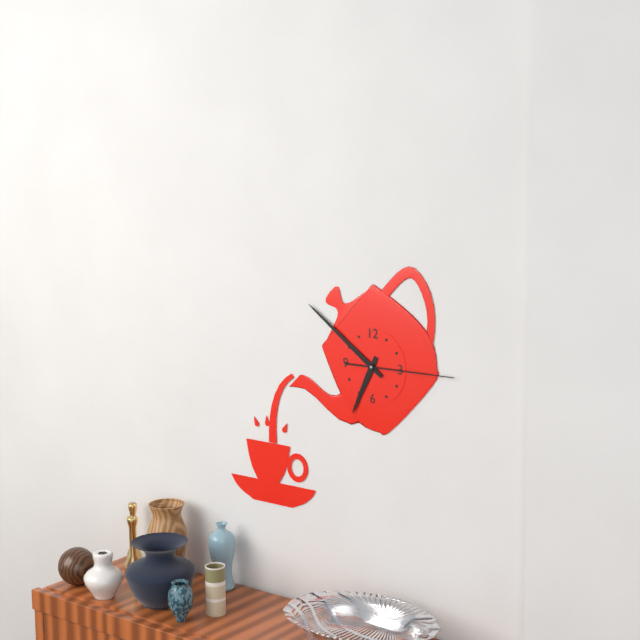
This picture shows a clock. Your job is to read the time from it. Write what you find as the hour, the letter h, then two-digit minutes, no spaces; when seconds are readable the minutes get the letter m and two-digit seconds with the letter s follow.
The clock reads 6h51m15s
